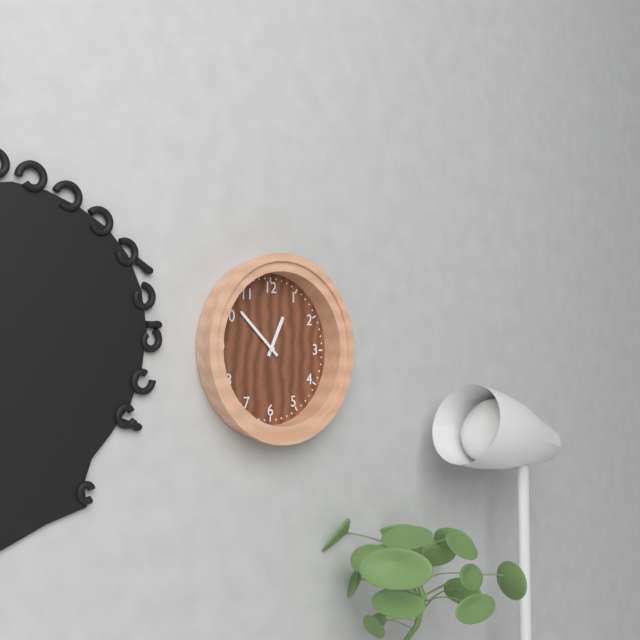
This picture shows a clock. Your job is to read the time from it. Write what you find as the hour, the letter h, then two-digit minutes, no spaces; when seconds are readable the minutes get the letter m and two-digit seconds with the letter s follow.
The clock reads 12h52
